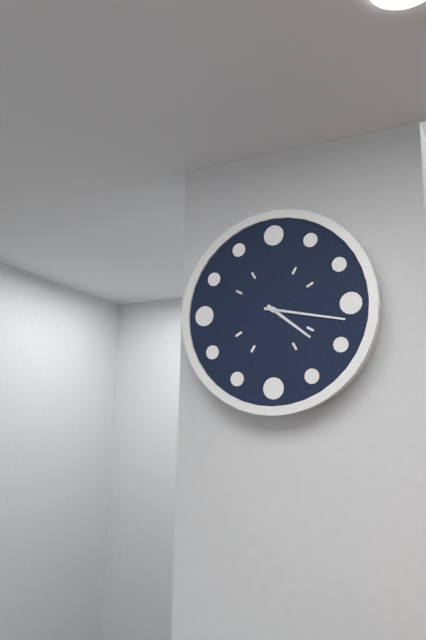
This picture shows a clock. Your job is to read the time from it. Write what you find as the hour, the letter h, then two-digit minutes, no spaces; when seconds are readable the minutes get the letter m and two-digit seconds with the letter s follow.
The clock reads 4h17
